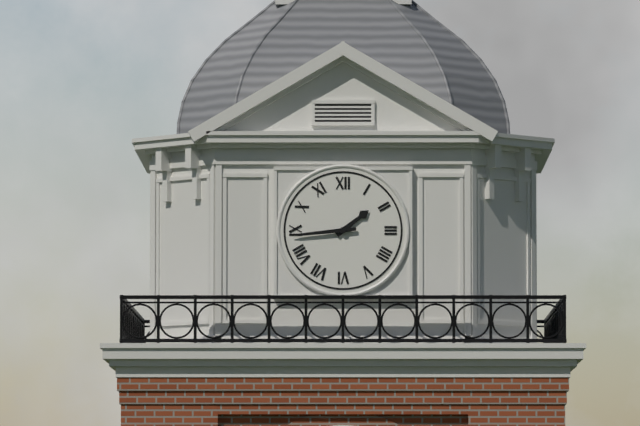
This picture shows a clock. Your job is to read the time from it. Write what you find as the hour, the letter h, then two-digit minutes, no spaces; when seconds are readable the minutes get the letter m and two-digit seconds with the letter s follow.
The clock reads 1h44
